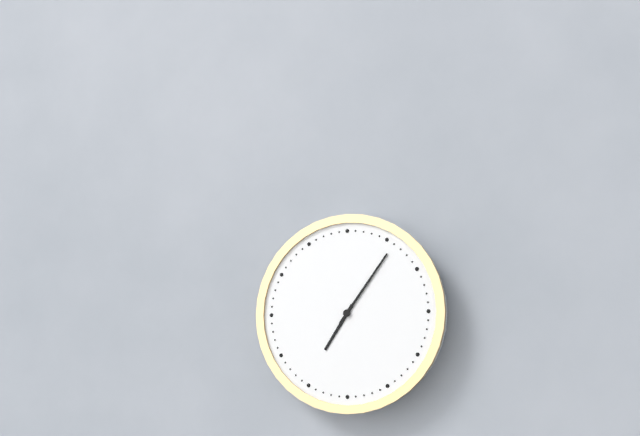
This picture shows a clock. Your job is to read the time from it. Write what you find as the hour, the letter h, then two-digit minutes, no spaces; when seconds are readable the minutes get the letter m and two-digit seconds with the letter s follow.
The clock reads 7h06
